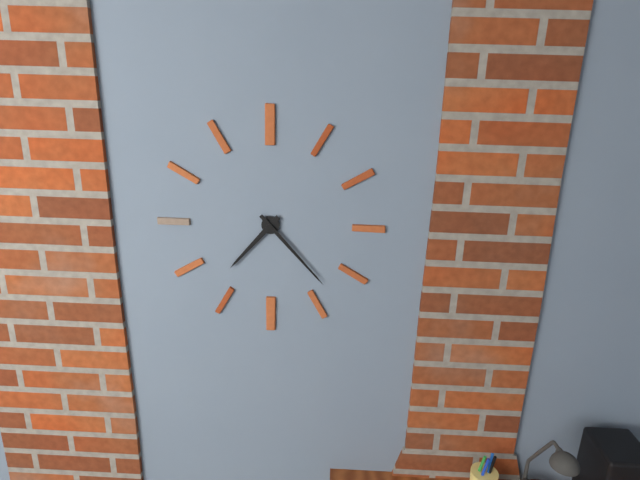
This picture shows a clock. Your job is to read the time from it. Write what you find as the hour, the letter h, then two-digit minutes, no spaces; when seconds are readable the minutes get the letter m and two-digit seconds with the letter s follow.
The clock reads 7h23
